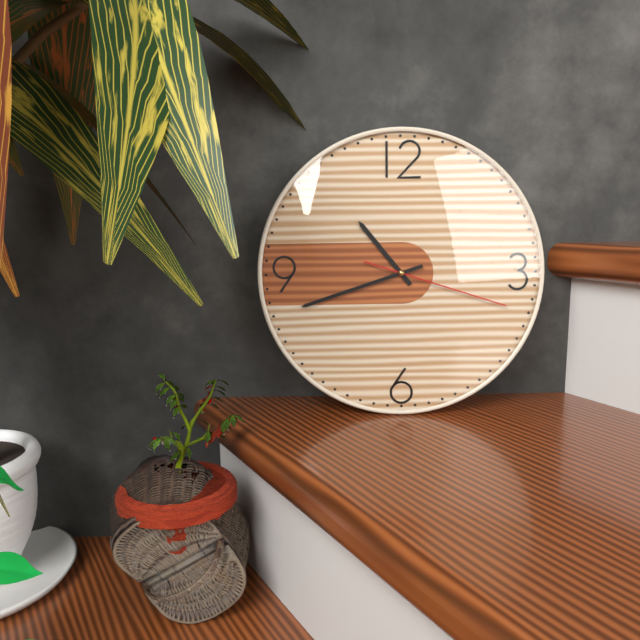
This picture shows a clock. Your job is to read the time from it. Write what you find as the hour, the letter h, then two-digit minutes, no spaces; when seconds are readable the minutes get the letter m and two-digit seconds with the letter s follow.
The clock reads 10h42m18s
